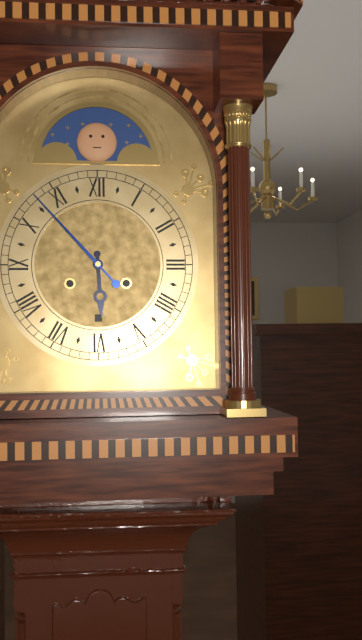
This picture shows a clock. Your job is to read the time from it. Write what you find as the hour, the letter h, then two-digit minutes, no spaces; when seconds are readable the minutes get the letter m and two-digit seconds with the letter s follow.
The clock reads 5h53
